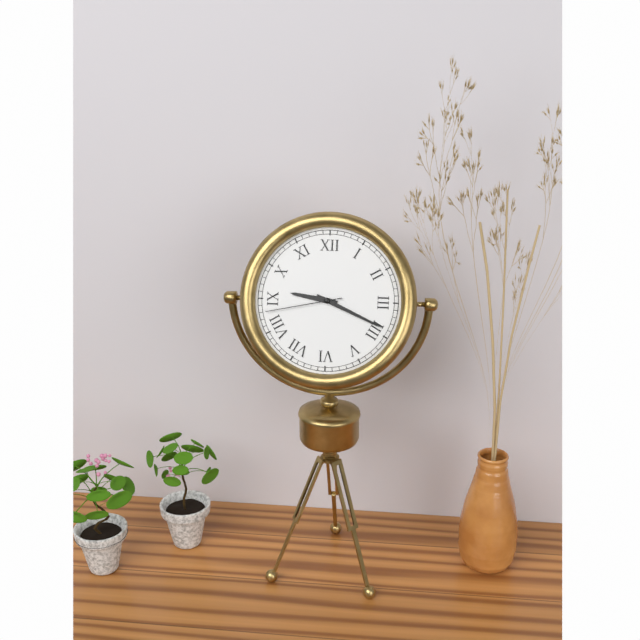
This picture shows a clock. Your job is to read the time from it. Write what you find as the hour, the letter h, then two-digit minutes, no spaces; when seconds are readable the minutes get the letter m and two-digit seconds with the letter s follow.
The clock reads 9h19m43s
